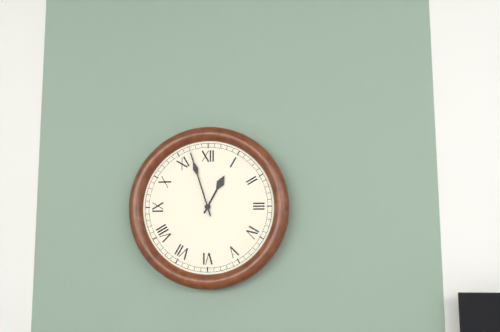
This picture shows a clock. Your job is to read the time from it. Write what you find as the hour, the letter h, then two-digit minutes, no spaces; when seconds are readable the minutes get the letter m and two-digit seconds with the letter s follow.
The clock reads 12h57
